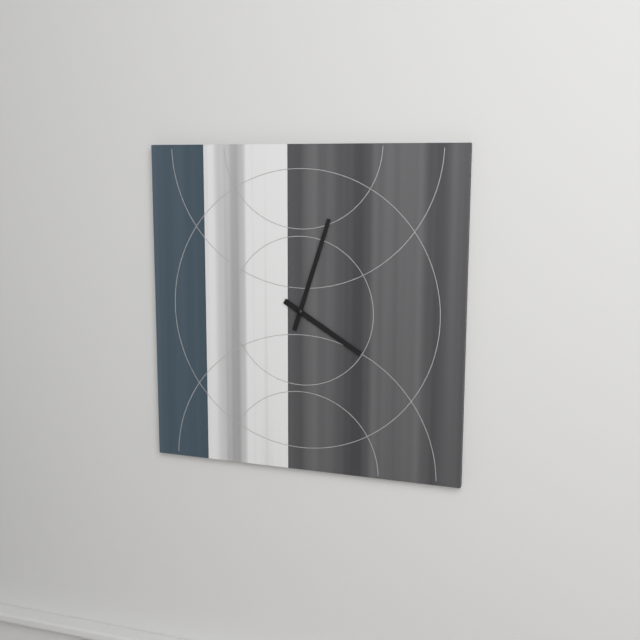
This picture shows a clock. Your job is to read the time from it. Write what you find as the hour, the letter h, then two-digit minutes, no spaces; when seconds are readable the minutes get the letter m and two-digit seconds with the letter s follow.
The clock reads 4h03
